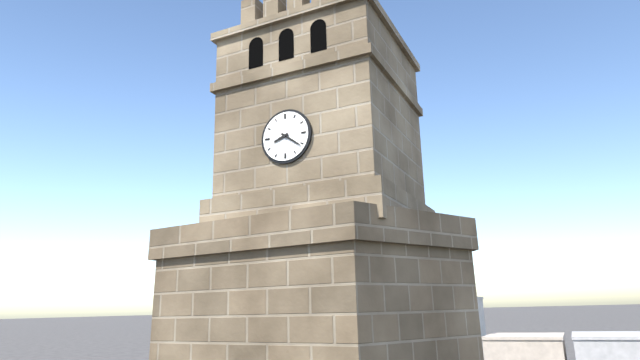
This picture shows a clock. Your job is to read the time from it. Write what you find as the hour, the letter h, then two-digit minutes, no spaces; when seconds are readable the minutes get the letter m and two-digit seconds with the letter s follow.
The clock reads 8h21
